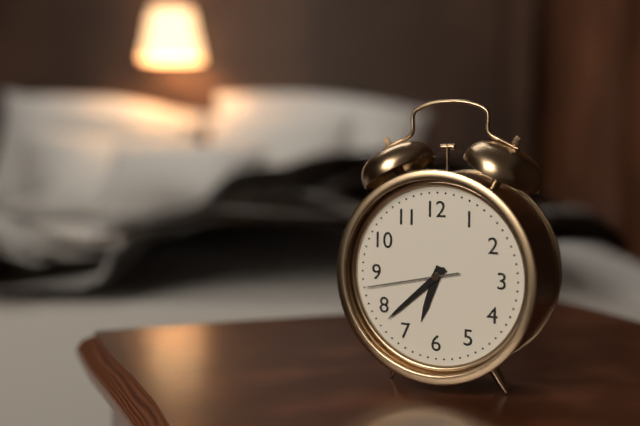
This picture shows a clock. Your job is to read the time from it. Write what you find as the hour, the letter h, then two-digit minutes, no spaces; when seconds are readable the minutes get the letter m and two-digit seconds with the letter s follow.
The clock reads 6h38m43s
